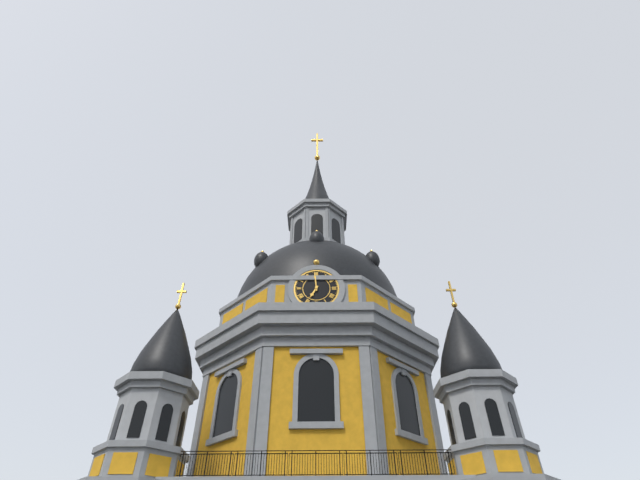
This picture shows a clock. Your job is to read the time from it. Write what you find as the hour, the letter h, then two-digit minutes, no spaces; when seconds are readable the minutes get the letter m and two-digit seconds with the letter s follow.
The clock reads 6h59
